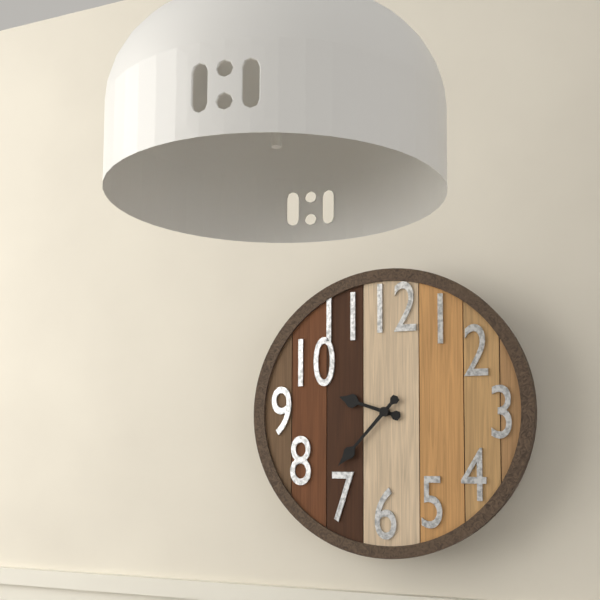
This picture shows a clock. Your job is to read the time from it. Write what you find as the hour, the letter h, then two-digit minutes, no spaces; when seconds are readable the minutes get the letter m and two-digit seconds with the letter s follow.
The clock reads 9h37
